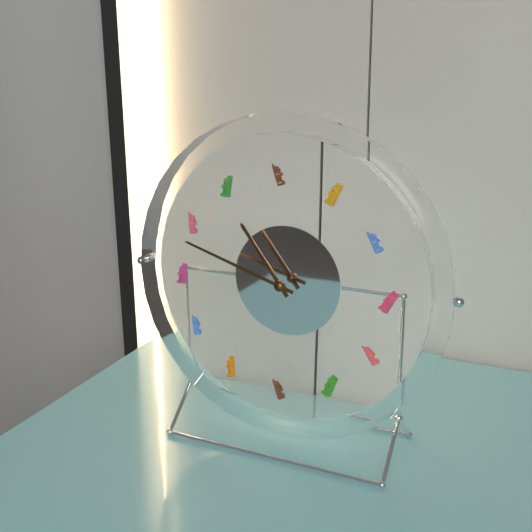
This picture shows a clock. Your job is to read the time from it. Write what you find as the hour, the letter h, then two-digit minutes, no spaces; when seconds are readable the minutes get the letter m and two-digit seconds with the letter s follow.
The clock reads 10h48
